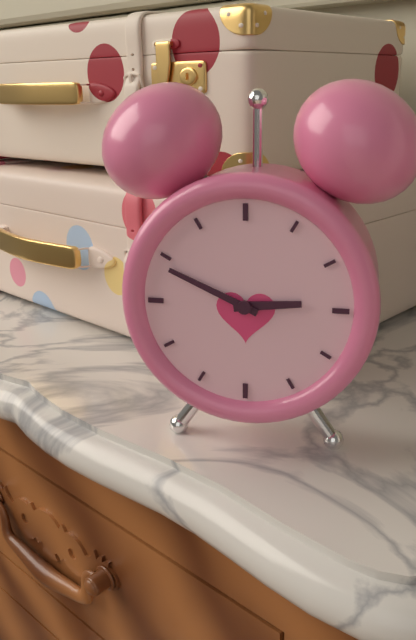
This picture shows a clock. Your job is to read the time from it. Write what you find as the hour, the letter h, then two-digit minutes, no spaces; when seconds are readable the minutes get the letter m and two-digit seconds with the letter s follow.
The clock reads 2h49
